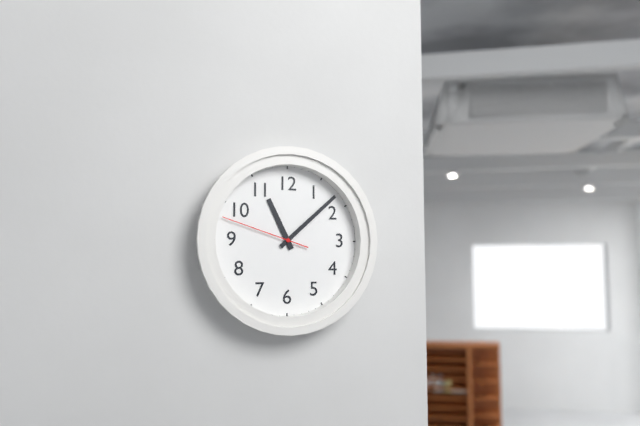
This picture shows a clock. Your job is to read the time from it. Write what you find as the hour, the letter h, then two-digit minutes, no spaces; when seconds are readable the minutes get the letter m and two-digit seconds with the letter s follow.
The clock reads 11h08m48s
